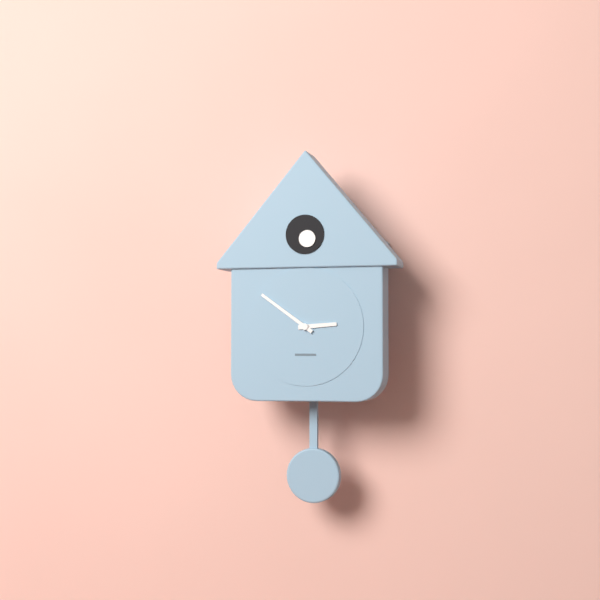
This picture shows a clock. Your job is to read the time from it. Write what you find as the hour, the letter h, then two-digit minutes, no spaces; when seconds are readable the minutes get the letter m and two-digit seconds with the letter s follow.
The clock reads 2h51
